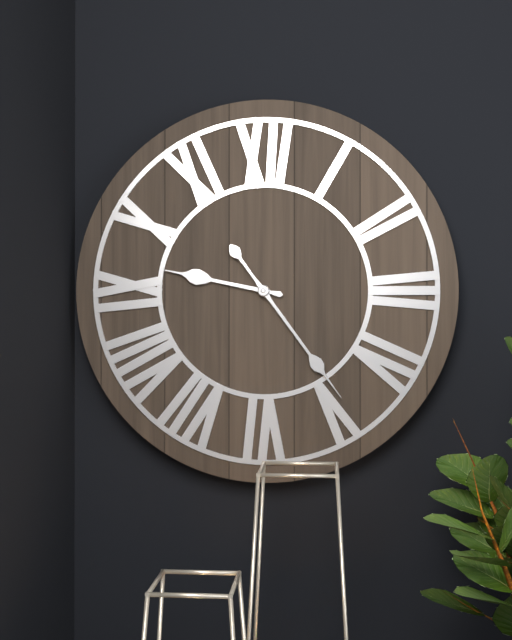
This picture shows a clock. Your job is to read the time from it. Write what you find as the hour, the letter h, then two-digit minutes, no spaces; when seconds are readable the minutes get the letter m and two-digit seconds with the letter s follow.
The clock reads 9h24
